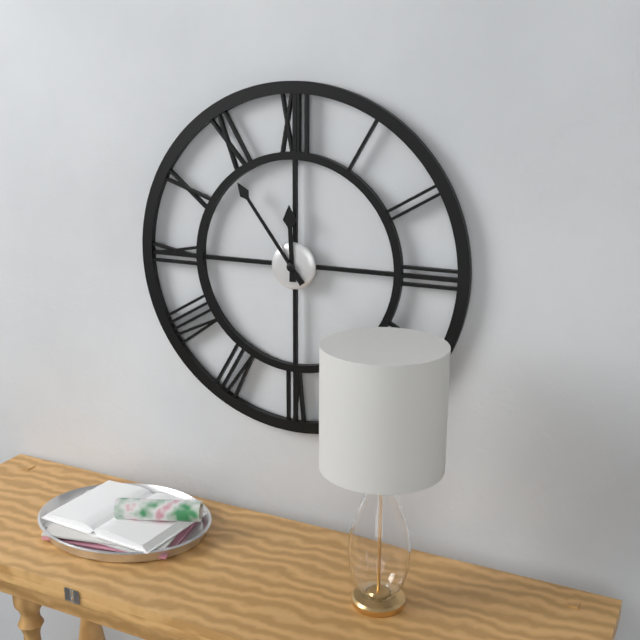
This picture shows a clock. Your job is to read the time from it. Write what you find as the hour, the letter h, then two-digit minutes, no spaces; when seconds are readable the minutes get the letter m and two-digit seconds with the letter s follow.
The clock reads 11h54
